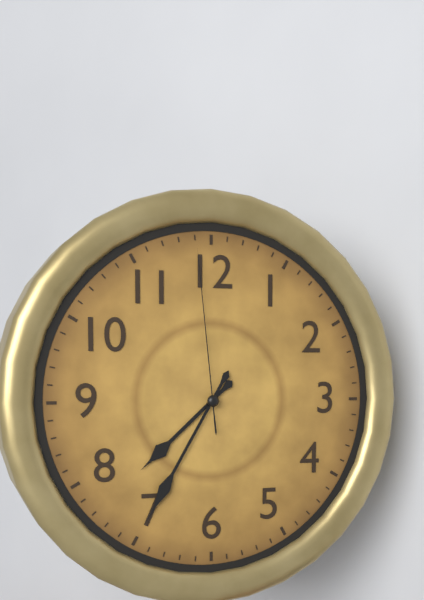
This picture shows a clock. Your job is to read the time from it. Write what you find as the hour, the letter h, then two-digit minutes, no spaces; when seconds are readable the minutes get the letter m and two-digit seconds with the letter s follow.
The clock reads 7h35m59s
